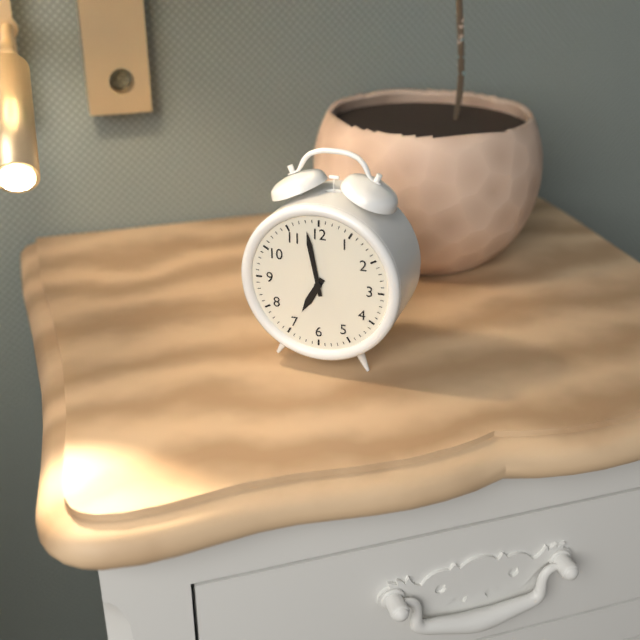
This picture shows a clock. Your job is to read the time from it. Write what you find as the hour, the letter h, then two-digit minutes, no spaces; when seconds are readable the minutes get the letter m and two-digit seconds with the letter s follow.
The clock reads 6h58
